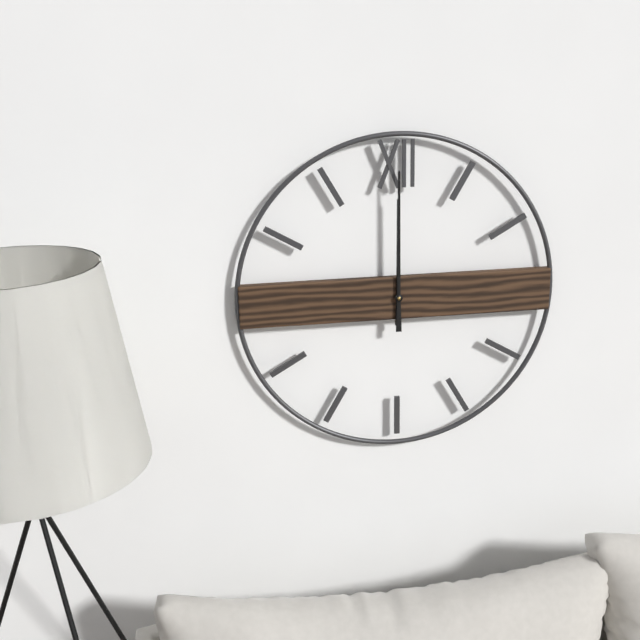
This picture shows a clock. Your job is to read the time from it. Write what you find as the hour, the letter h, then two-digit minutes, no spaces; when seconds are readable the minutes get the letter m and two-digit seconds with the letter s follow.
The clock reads 12h00
